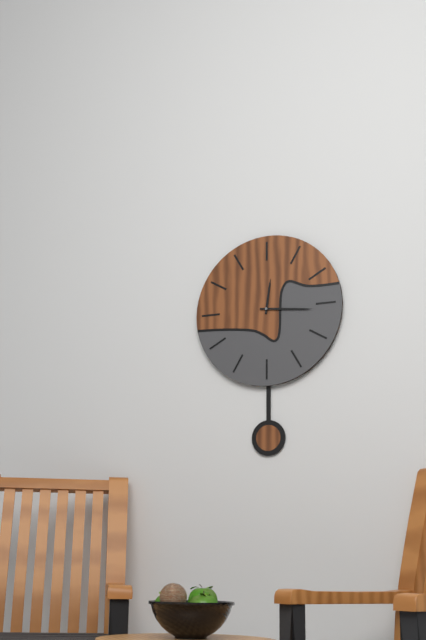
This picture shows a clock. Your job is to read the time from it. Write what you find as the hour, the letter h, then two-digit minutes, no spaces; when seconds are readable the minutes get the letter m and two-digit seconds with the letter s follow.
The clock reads 12h16
